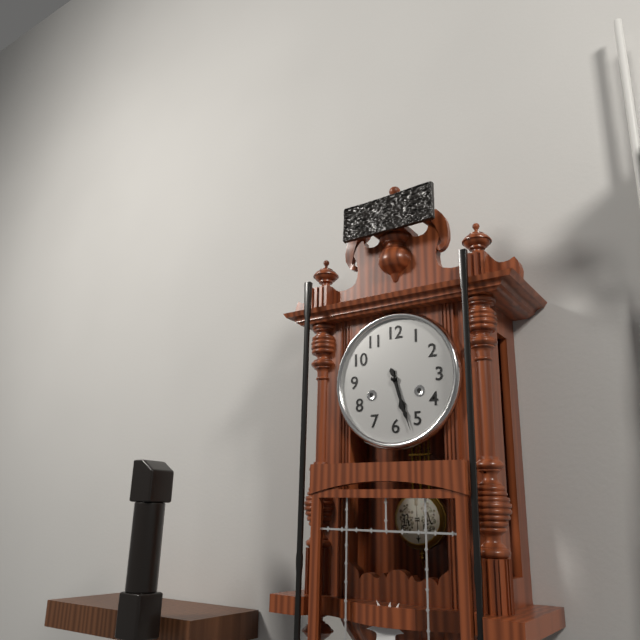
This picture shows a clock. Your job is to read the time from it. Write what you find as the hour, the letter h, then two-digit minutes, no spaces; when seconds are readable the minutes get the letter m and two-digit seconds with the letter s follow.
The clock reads 5h27
